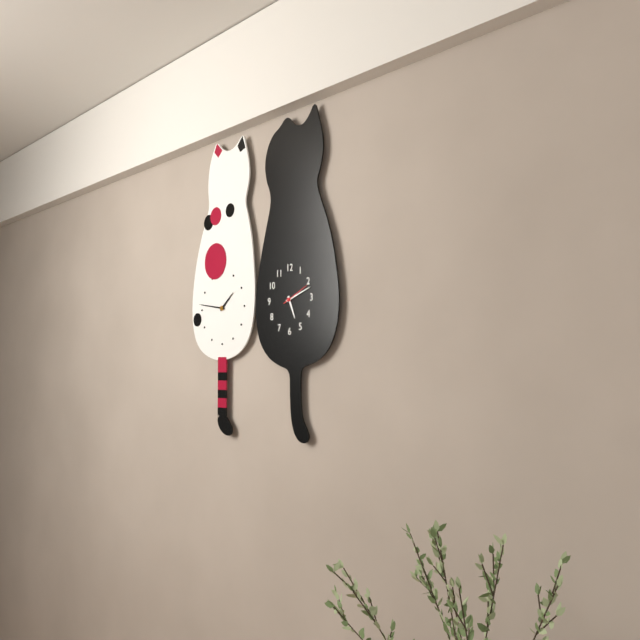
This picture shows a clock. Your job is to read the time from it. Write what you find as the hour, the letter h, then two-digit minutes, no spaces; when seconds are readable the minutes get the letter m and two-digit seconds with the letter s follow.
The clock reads 5h12
